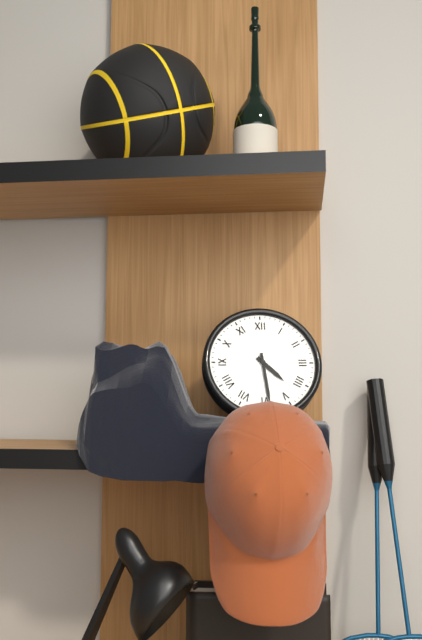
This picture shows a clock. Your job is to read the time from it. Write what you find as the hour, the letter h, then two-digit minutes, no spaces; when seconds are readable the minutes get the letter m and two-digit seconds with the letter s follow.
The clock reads 4h29
